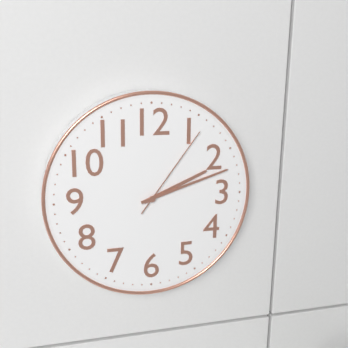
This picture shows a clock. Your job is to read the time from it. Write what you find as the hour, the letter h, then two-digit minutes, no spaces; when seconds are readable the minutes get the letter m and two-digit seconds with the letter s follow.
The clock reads 2h12m06s
